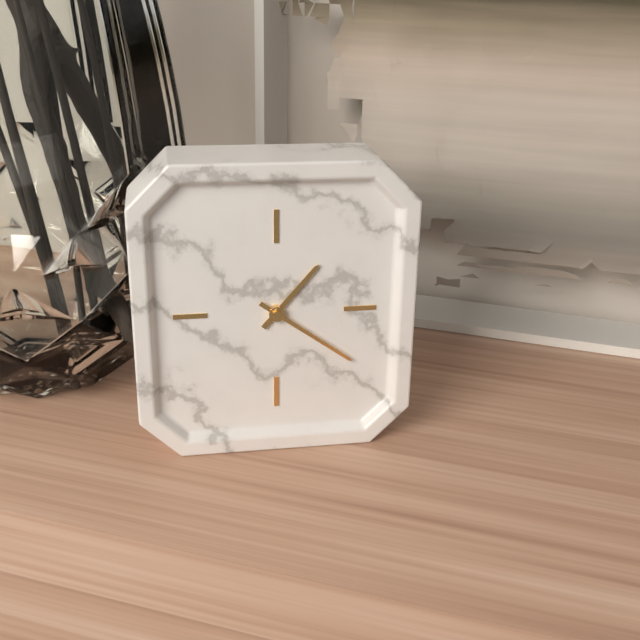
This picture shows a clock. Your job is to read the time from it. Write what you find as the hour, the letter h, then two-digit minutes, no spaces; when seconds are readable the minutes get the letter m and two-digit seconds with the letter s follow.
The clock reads 1h21
